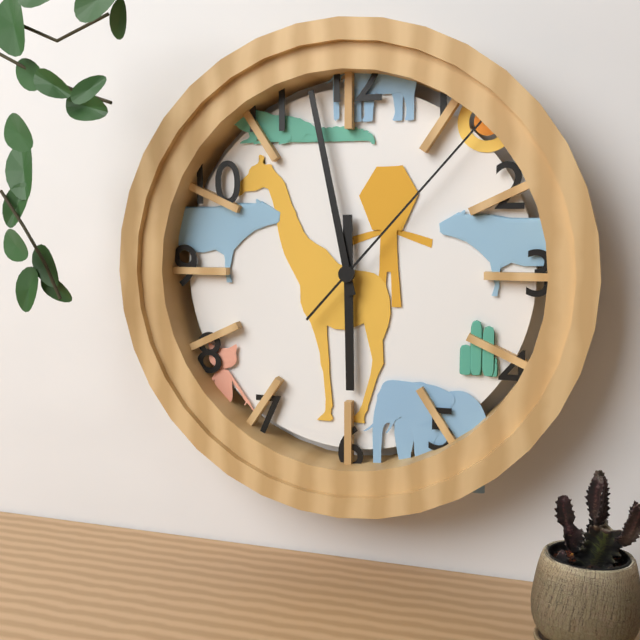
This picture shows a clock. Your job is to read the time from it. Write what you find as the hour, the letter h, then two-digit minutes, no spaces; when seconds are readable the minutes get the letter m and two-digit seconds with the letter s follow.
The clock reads 5h58m07s
